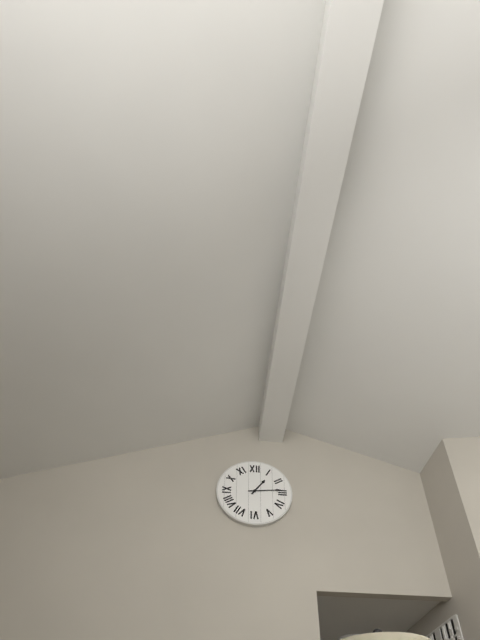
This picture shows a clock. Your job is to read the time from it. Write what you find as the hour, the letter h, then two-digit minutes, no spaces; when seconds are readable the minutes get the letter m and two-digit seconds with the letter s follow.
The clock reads 1h14
